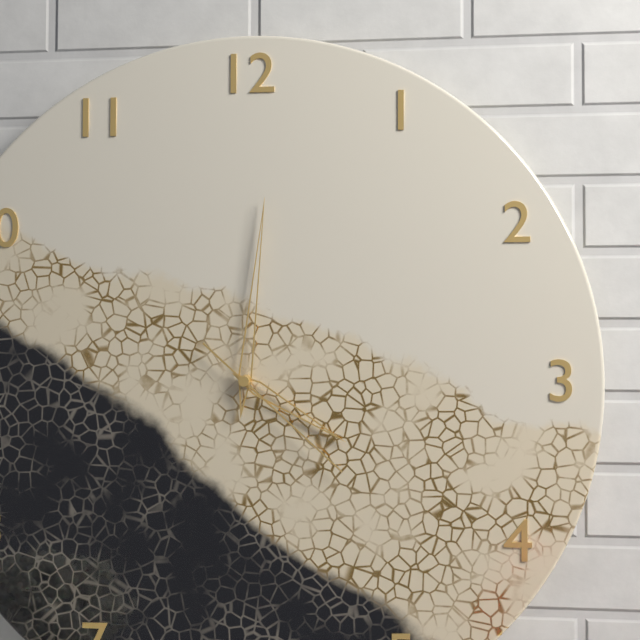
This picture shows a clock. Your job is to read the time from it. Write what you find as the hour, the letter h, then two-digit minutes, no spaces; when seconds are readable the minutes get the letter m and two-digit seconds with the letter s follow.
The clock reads 4h01m22s
